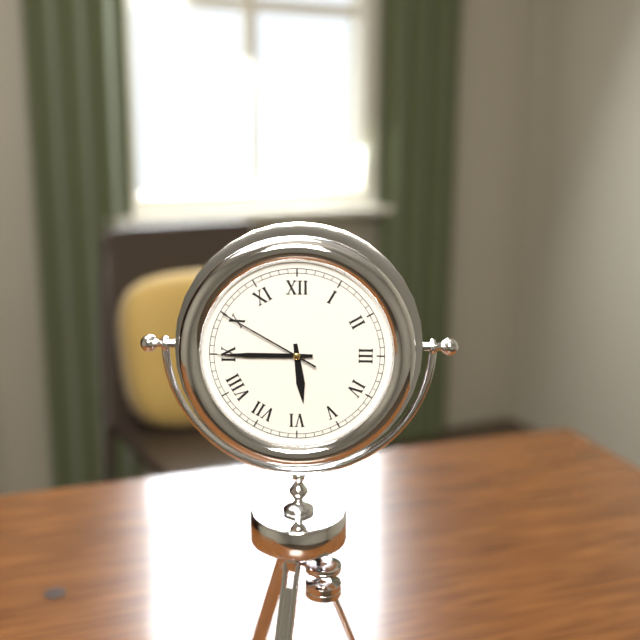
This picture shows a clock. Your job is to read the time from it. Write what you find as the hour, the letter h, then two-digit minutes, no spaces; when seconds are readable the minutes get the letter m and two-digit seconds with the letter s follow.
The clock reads 5h45m50s
